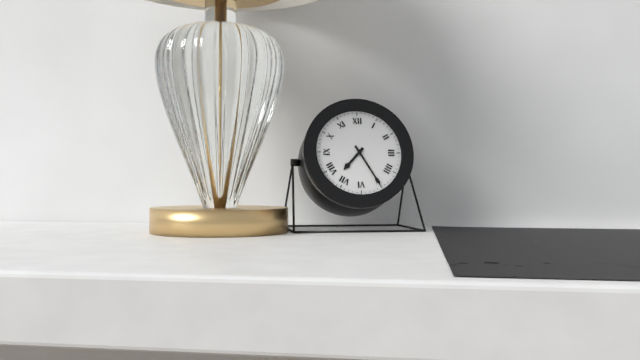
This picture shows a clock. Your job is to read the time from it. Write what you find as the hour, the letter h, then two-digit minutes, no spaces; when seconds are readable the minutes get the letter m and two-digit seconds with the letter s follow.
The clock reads 7h25
